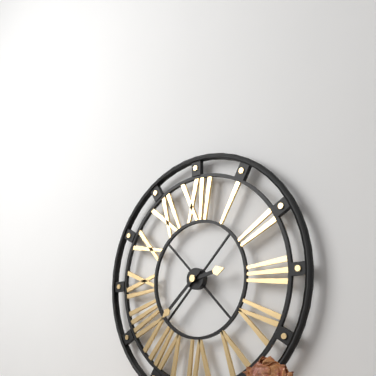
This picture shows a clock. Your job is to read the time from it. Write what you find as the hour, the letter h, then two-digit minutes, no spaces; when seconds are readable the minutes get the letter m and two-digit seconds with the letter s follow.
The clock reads 2h38
